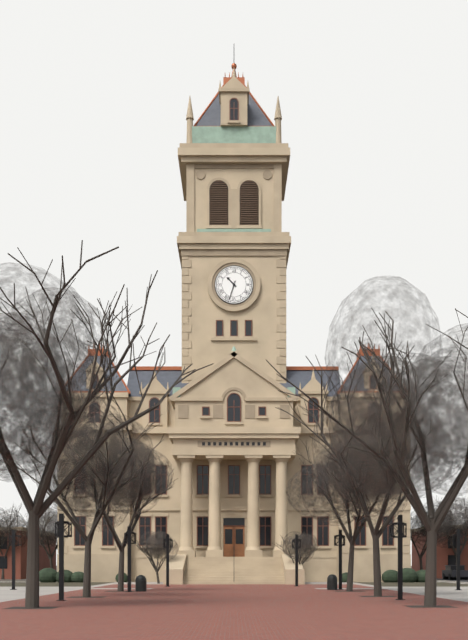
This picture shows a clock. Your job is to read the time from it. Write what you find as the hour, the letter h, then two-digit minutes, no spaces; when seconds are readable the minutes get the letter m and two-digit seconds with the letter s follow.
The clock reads 10h33
